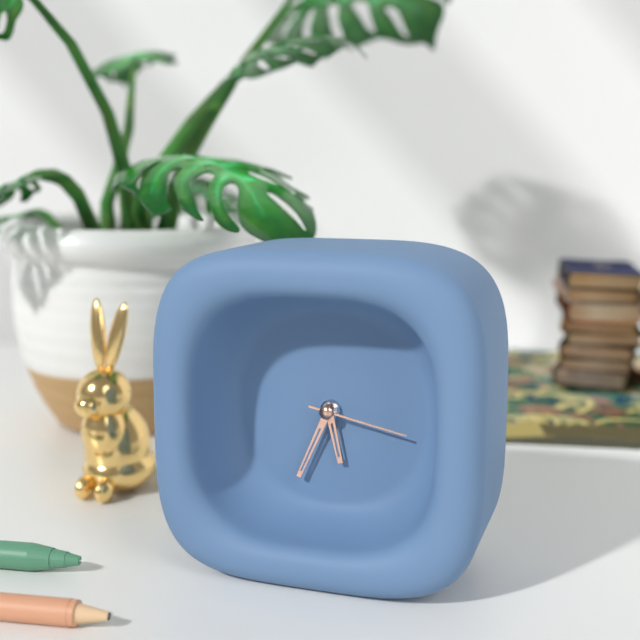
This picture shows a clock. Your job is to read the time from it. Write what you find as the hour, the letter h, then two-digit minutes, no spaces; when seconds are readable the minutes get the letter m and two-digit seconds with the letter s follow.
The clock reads 5h34m17s
